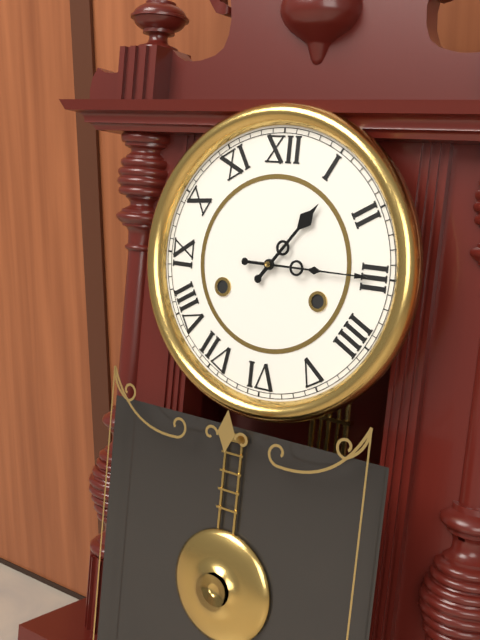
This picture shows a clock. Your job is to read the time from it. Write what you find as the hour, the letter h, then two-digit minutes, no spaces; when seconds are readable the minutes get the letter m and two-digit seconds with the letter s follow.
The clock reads 1h15
